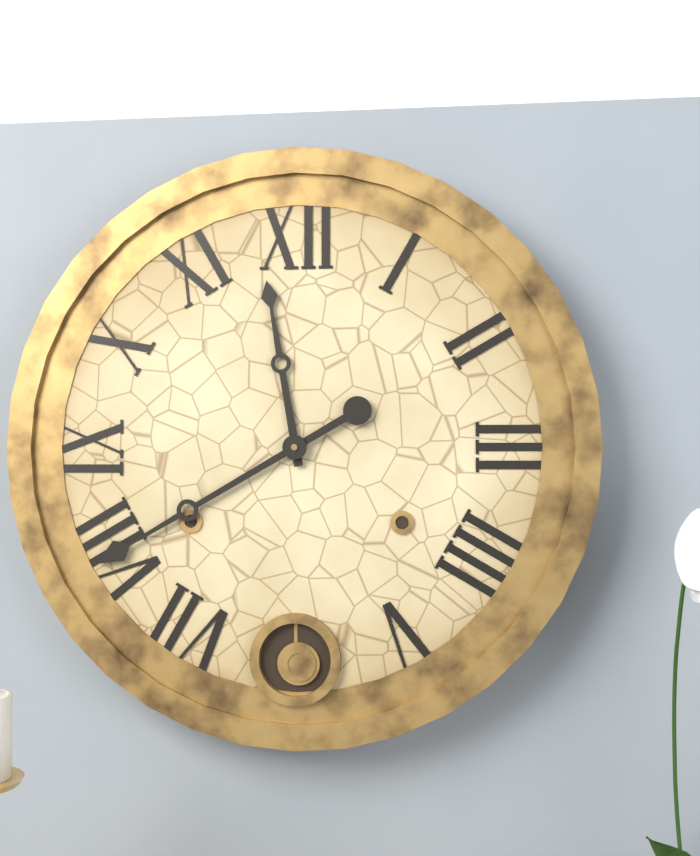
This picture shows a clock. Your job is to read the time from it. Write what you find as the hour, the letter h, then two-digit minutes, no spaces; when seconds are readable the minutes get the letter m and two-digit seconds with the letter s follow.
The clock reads 11h40
